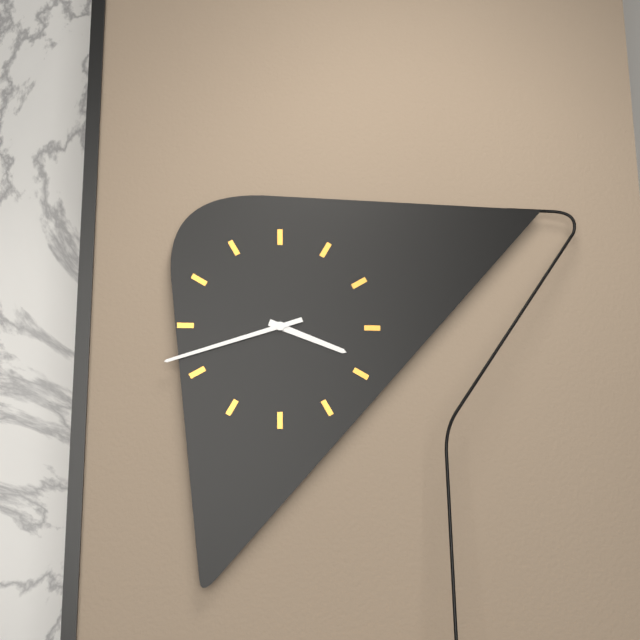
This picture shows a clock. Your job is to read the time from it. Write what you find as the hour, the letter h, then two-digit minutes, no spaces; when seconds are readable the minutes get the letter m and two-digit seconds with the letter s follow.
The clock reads 3h42
